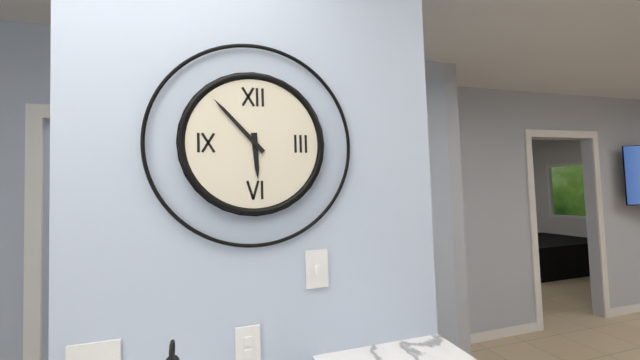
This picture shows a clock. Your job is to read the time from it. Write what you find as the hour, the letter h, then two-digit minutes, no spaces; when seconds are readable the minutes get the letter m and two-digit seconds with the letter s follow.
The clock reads 5h53
